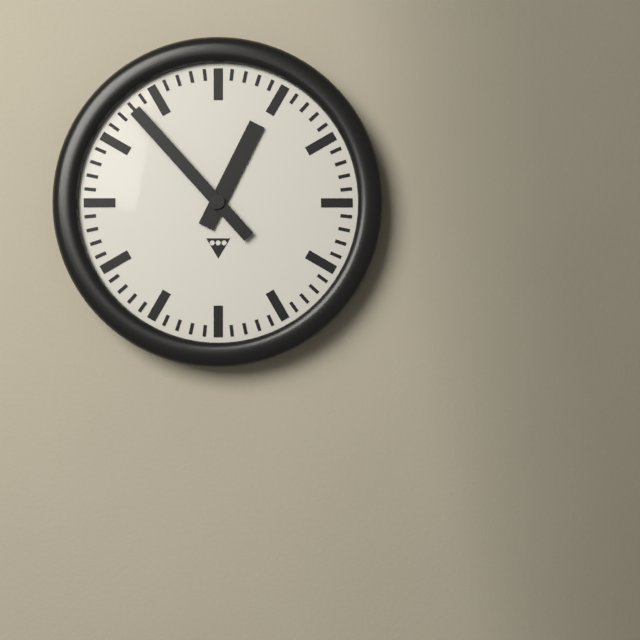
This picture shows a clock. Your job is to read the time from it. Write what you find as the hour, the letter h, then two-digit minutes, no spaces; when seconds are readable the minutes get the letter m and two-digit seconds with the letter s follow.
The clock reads 12h53
